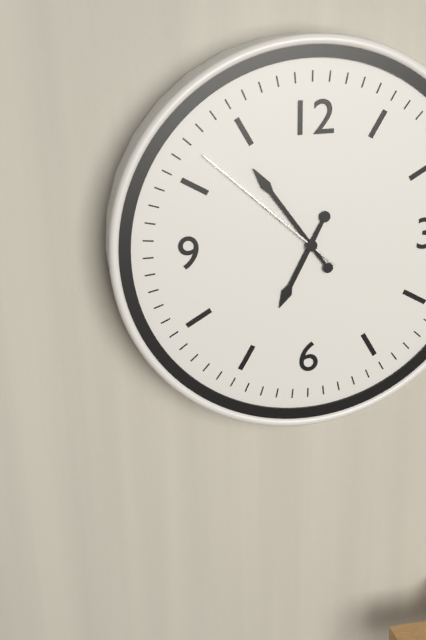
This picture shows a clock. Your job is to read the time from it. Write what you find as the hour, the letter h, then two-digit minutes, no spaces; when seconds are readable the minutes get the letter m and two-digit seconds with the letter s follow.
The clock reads 6h54m52s
